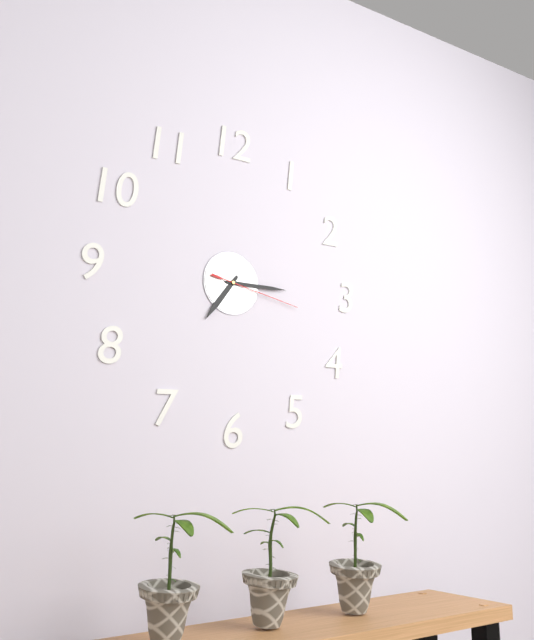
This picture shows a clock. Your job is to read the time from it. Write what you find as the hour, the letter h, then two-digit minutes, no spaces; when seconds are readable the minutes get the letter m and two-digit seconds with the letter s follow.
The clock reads 7h15m17s
